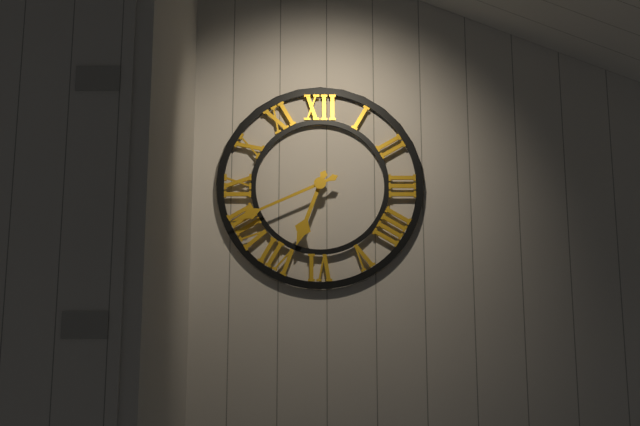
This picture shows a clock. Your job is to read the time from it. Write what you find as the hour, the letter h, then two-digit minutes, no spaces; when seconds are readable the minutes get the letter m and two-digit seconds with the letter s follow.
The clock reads 6h41
